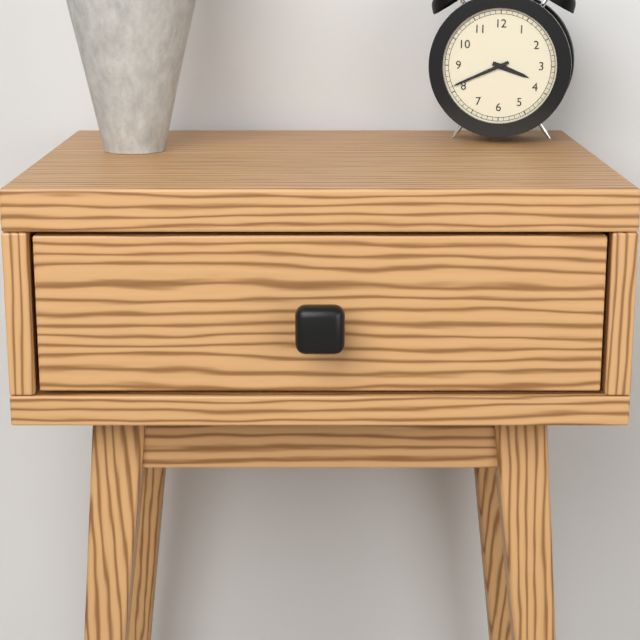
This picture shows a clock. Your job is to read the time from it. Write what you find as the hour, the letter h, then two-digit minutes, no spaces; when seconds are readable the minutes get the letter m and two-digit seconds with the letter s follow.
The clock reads 3h41
